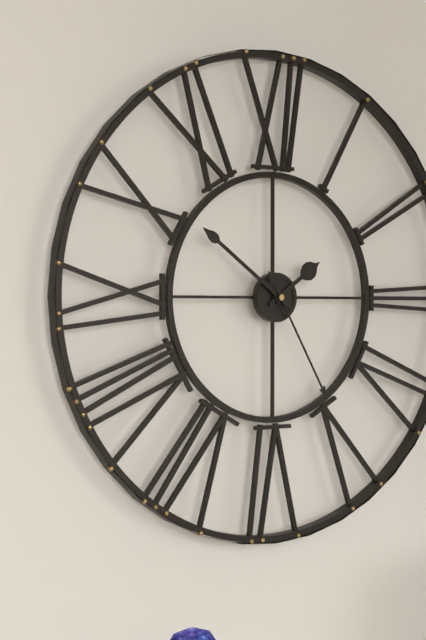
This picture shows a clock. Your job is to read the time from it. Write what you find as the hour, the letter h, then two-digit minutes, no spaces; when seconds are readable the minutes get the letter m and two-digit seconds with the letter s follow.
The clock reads 1h51m25s
